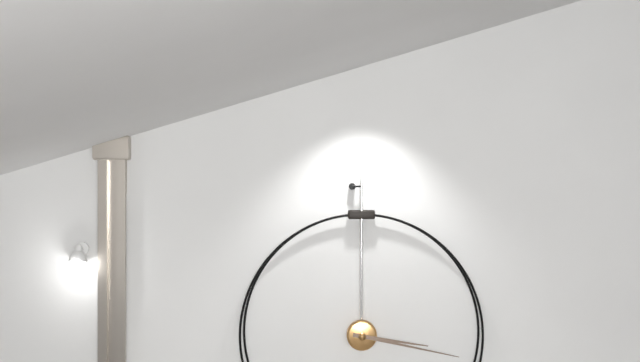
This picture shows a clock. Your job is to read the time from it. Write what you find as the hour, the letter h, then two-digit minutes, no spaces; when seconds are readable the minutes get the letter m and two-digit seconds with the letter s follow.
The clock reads 3h17
